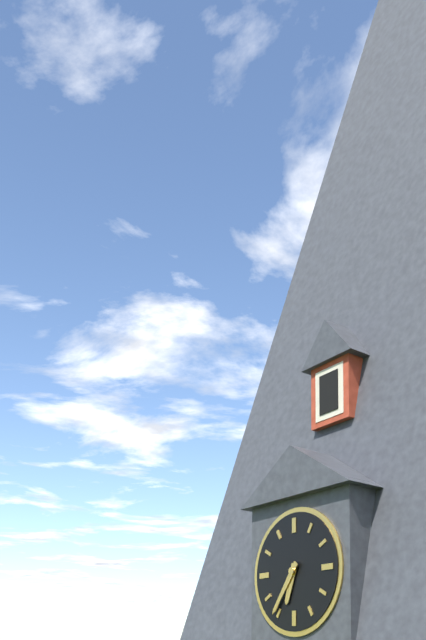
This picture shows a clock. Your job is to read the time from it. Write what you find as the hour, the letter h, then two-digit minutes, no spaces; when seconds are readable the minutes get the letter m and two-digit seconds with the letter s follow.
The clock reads 6h36
